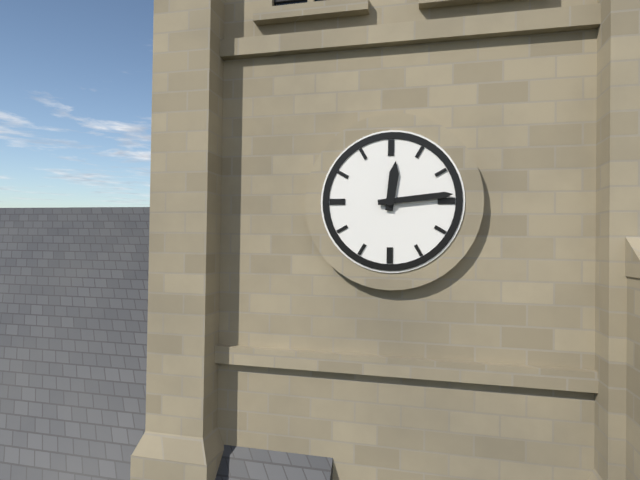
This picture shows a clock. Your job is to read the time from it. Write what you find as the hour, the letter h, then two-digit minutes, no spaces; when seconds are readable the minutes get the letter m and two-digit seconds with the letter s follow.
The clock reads 12h14
